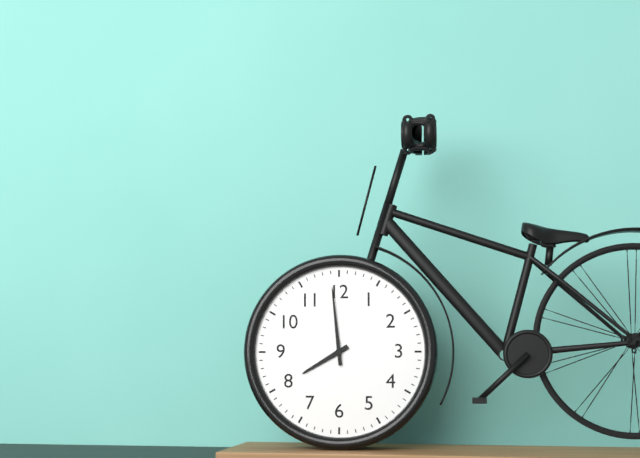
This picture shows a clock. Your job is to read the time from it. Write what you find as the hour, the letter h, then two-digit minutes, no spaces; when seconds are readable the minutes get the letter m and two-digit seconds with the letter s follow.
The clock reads 7h59
